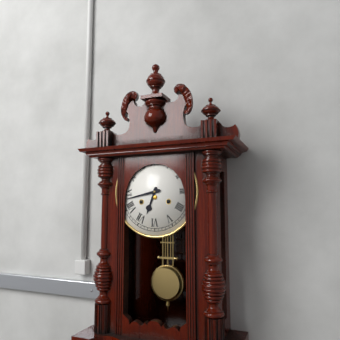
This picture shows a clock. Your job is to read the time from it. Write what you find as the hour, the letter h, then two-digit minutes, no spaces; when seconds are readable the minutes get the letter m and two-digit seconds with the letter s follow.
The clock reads 6h43
